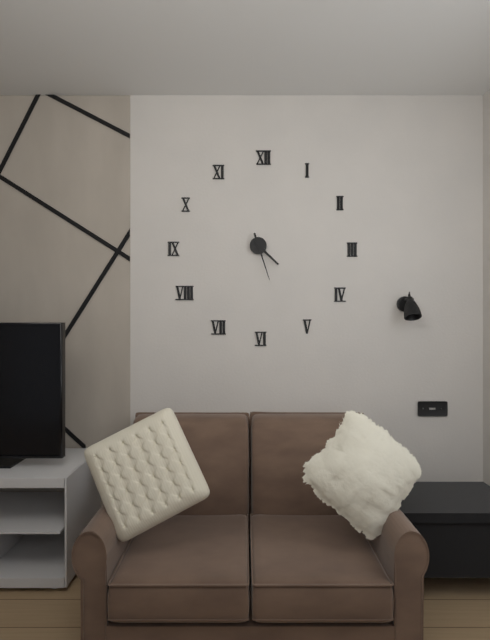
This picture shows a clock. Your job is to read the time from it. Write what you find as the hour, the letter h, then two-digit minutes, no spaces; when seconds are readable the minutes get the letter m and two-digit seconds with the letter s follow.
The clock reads 4h27
